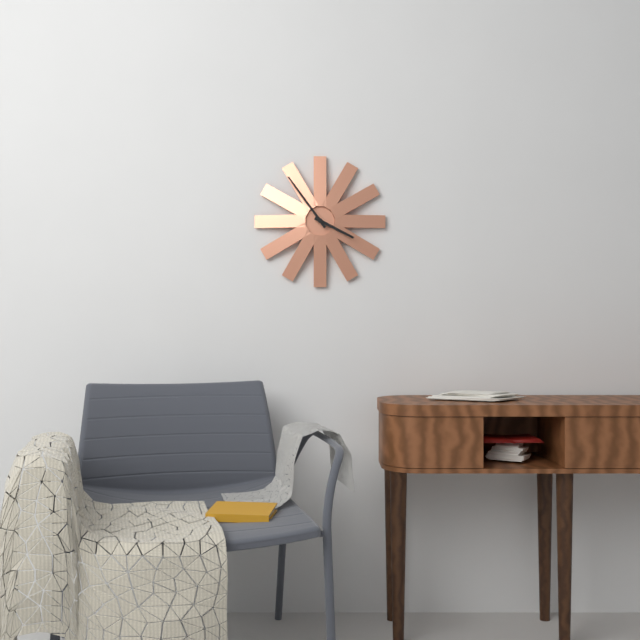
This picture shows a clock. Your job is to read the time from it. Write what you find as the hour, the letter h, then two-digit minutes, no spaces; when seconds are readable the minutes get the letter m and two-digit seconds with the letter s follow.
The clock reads 3h54
